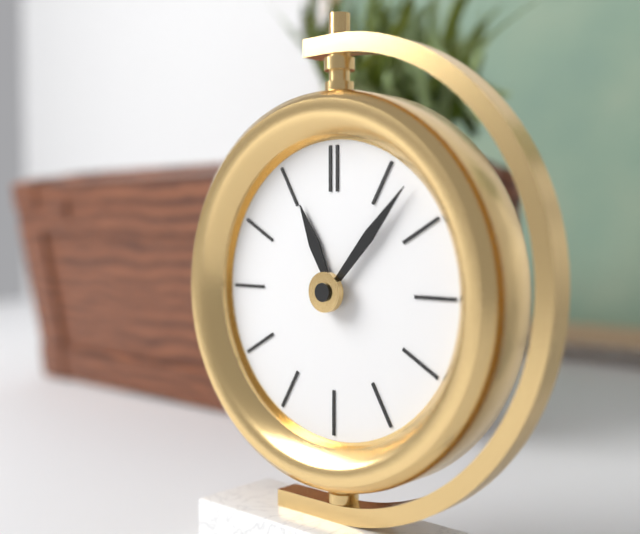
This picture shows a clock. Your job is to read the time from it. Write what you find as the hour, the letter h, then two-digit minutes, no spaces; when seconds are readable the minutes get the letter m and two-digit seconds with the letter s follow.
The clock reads 11h07
